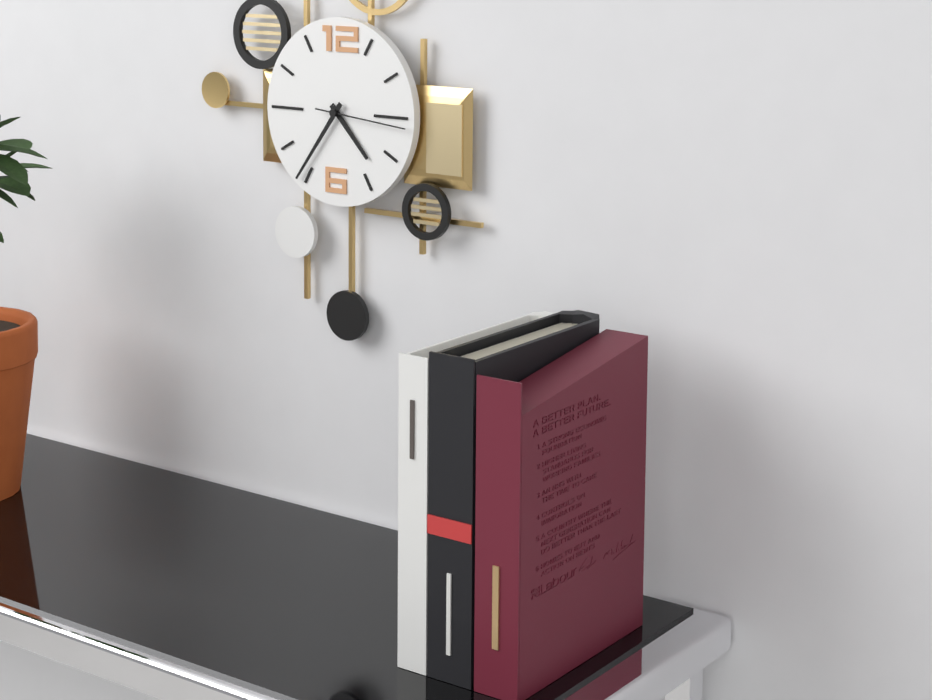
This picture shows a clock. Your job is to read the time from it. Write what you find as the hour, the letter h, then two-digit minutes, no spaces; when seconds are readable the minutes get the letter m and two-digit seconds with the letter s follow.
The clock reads 4h36m16s
